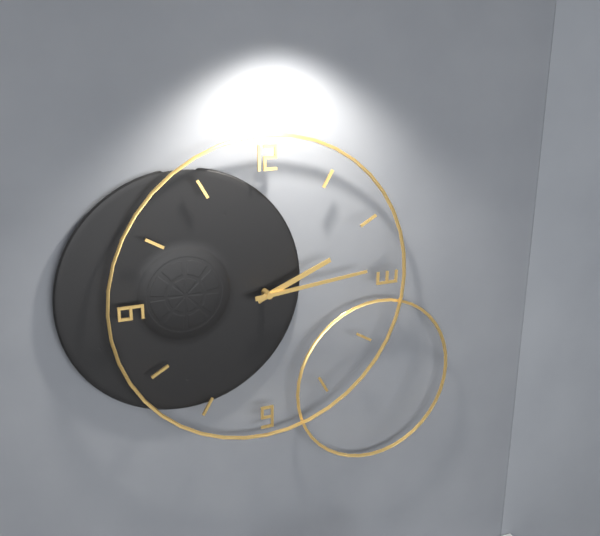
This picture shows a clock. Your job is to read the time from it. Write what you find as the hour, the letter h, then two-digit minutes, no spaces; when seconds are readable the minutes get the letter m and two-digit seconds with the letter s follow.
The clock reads 2h14
